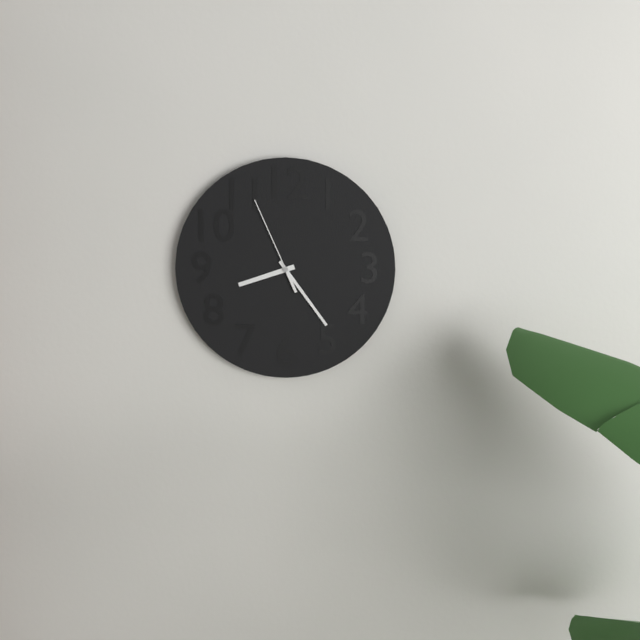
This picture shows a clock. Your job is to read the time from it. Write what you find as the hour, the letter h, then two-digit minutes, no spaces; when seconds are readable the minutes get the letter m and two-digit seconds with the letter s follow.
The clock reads 8h24m56s
